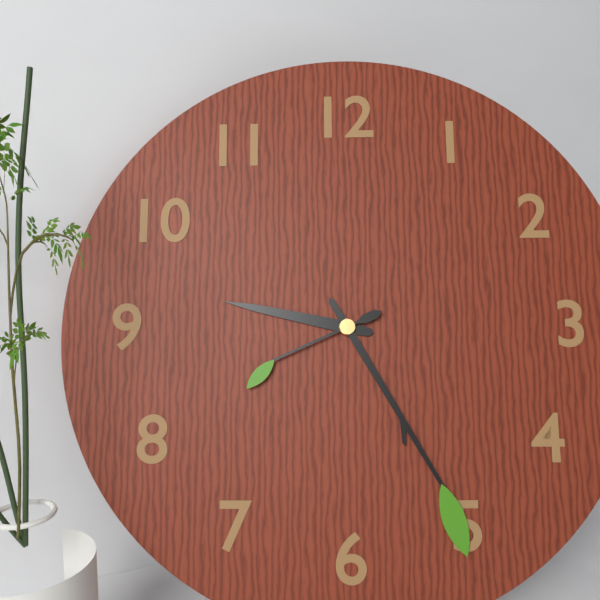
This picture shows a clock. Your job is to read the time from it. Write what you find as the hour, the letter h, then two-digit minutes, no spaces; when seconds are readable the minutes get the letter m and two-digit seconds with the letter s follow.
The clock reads 9h25m41s
